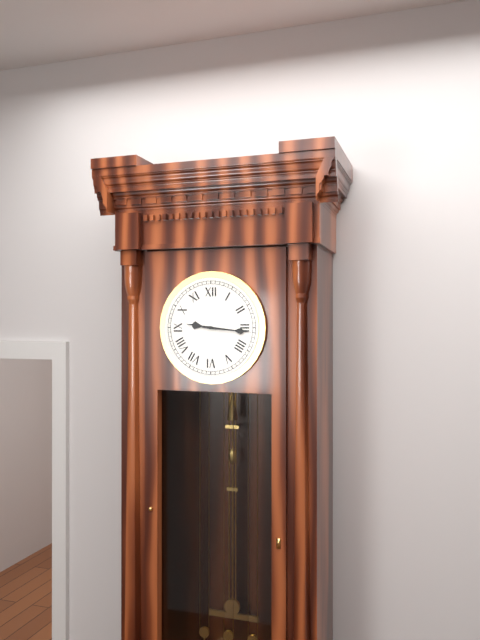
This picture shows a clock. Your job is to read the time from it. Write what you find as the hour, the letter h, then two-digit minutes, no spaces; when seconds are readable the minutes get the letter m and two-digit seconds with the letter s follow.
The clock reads 9h16
